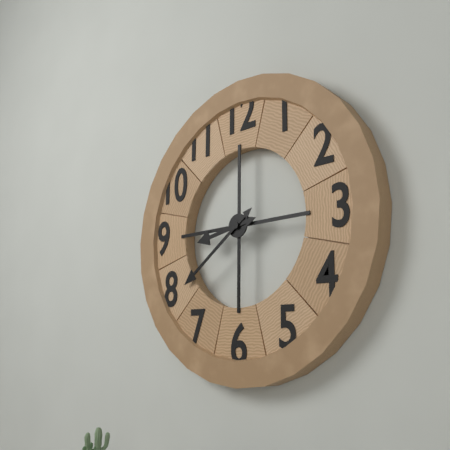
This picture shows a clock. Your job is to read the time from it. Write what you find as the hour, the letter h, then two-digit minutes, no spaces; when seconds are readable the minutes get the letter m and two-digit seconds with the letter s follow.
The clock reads 8h39
